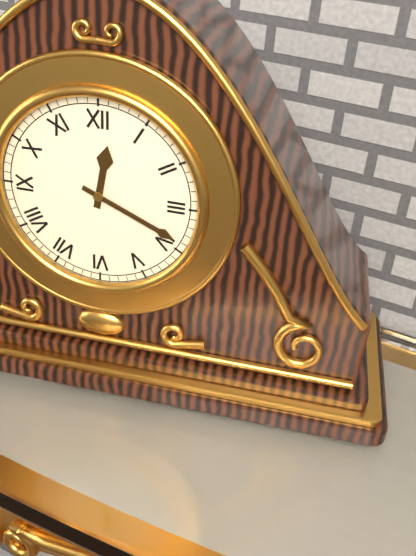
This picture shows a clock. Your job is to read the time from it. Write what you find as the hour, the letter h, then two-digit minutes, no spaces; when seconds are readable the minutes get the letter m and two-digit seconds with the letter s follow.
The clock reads 12h19
